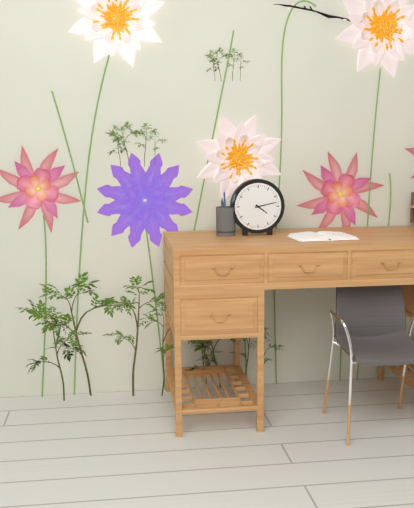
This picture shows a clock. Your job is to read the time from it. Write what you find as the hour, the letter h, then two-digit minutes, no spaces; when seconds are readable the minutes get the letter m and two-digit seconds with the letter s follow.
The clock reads 4h13
